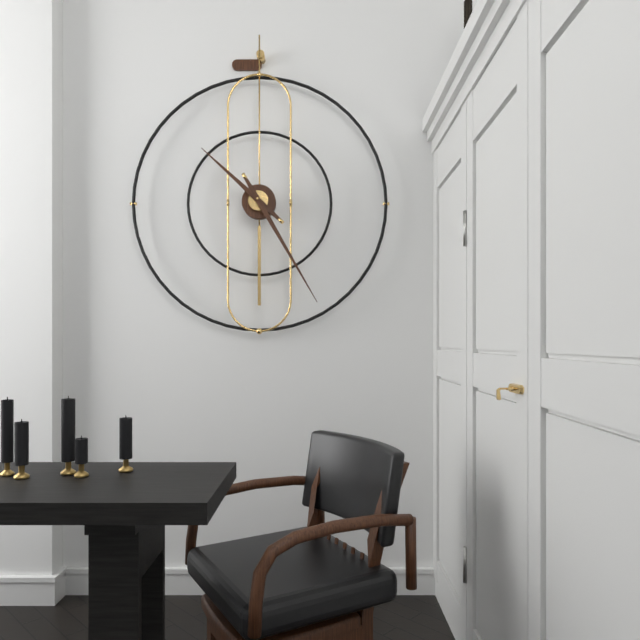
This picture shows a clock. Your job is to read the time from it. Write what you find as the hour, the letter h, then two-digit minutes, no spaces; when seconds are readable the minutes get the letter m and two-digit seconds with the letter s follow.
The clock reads 10h25
